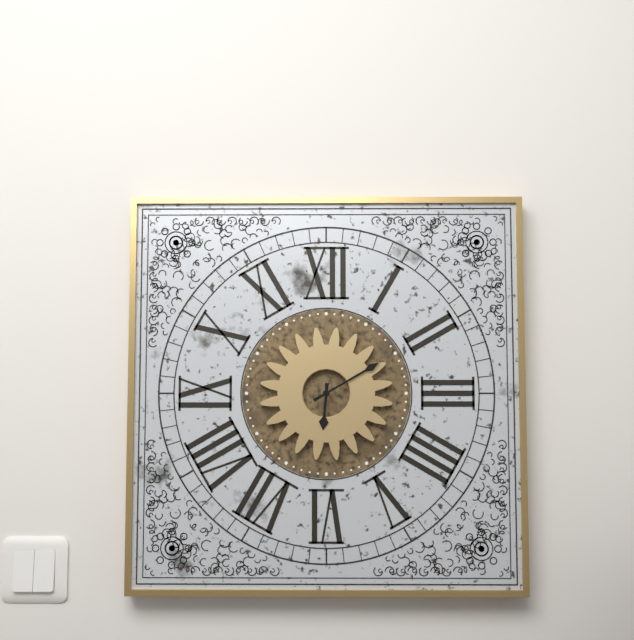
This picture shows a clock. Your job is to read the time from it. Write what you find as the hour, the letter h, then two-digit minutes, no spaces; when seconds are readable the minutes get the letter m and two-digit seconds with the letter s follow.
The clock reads 6h10
